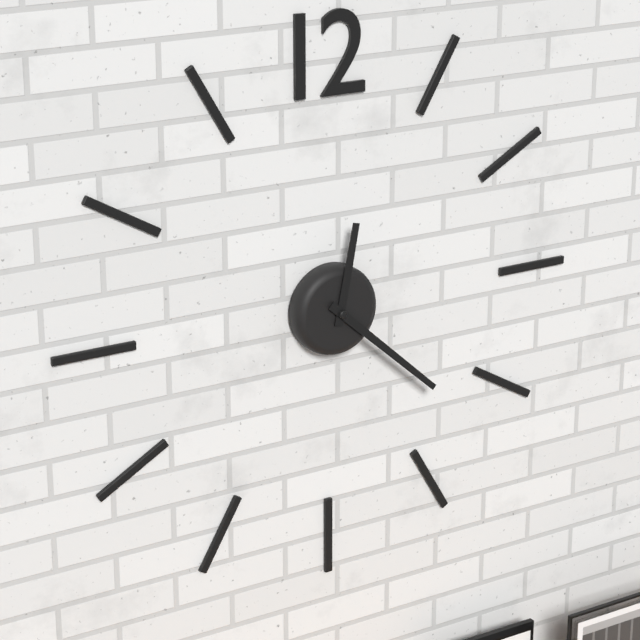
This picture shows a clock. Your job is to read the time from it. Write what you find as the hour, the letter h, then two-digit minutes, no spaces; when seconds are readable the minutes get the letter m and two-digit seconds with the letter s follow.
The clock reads 12h22
